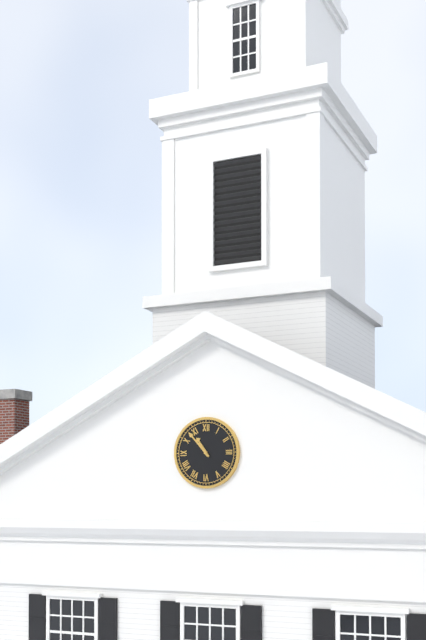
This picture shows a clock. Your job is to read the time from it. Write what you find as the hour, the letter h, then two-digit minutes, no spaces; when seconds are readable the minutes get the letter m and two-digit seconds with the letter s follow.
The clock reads 10h53
